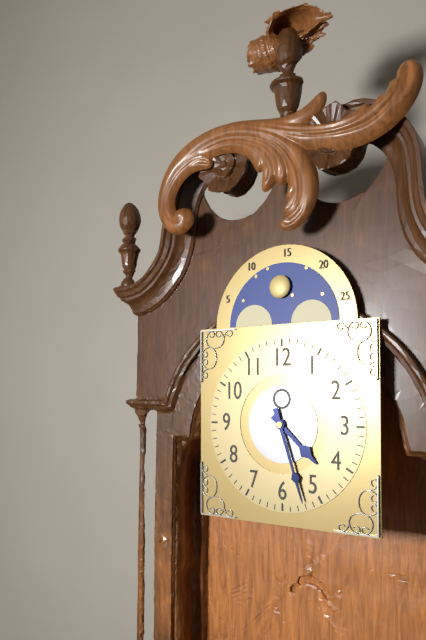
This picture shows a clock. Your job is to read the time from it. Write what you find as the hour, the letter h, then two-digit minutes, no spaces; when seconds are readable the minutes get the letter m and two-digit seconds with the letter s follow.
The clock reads 4h27
